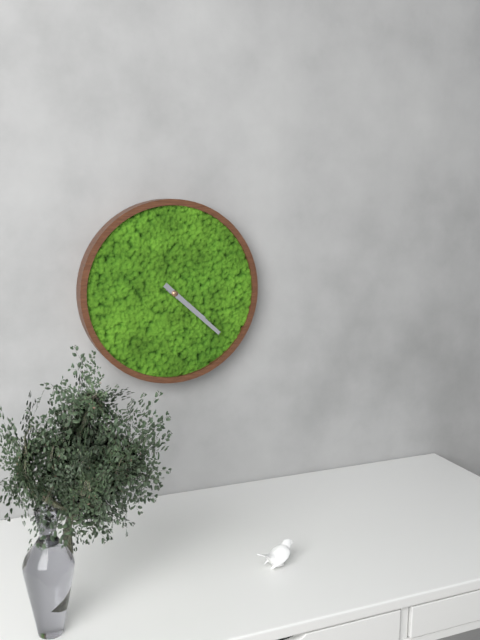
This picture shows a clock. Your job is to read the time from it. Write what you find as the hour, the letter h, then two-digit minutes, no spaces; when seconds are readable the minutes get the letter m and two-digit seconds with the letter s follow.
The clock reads 4h22
